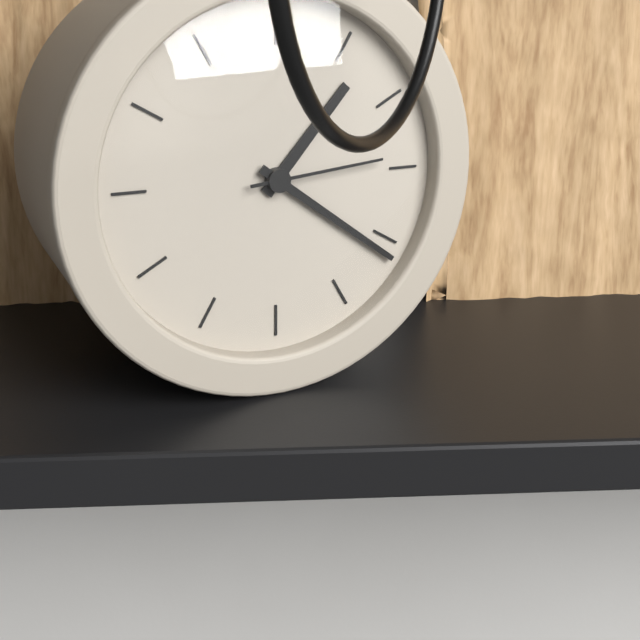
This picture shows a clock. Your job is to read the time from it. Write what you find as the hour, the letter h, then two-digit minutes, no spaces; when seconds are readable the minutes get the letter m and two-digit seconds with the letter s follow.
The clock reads 1h21m14s
